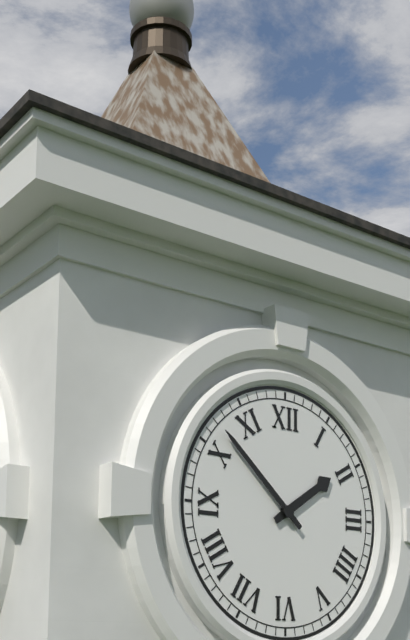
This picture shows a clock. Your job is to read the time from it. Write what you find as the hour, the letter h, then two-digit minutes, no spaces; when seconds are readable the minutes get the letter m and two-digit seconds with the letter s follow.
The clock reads 1h52
